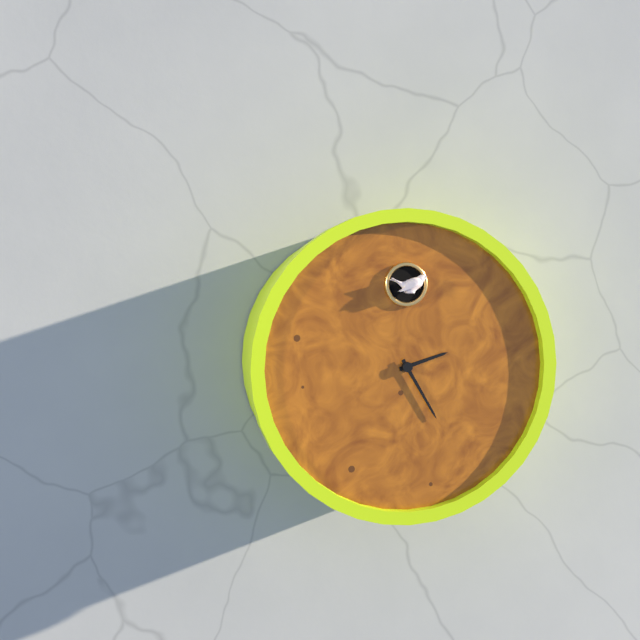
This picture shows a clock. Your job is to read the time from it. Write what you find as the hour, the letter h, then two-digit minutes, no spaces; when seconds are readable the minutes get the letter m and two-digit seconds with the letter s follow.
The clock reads 2h25
